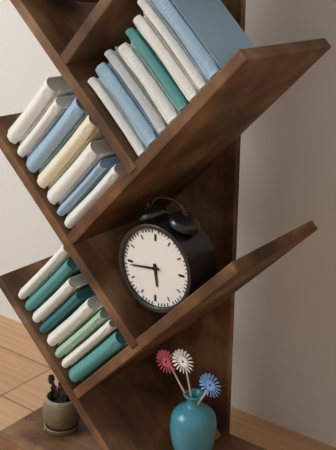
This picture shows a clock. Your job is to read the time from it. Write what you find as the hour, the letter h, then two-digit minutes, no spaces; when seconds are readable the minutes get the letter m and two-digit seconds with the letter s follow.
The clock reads 5h44
